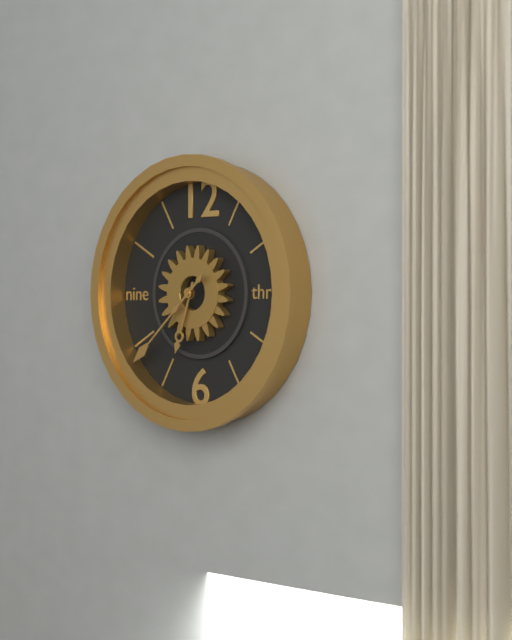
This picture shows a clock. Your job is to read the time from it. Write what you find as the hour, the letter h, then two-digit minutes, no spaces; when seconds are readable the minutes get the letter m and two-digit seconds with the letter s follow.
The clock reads 6h38
